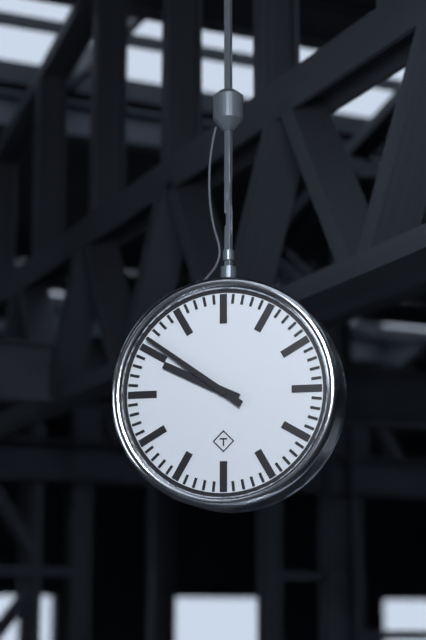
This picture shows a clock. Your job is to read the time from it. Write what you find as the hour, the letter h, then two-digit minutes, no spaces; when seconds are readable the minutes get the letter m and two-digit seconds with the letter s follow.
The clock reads 9h51
